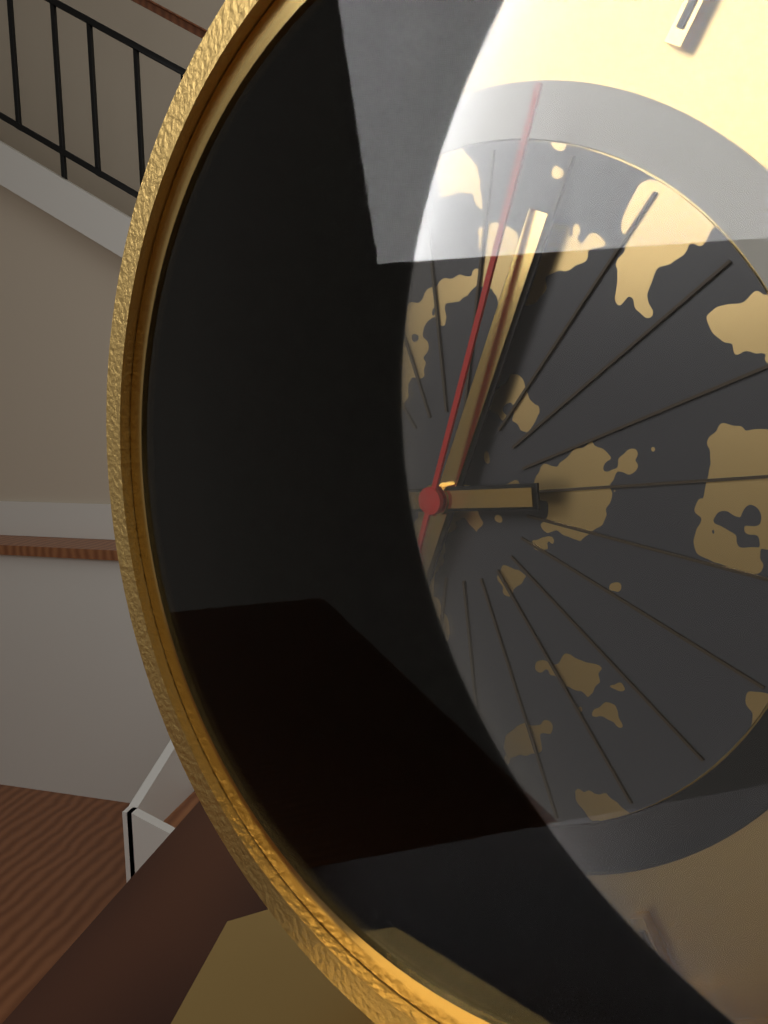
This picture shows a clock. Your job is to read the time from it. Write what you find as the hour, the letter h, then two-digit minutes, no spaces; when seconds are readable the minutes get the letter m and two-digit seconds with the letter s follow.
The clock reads 12h44m03s
